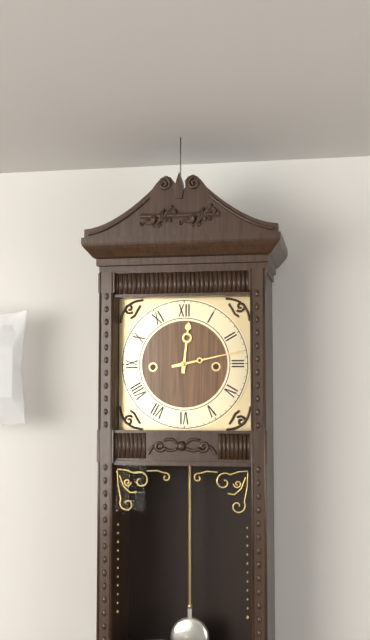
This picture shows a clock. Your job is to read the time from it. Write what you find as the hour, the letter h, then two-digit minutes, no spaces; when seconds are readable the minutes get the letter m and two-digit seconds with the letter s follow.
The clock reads 12h13
